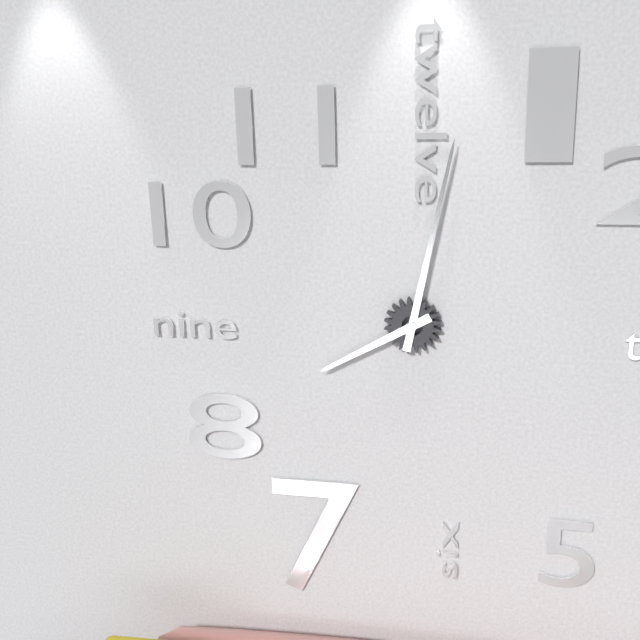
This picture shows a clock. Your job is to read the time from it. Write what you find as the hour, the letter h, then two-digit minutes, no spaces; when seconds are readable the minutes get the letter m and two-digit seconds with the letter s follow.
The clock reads 8h02
